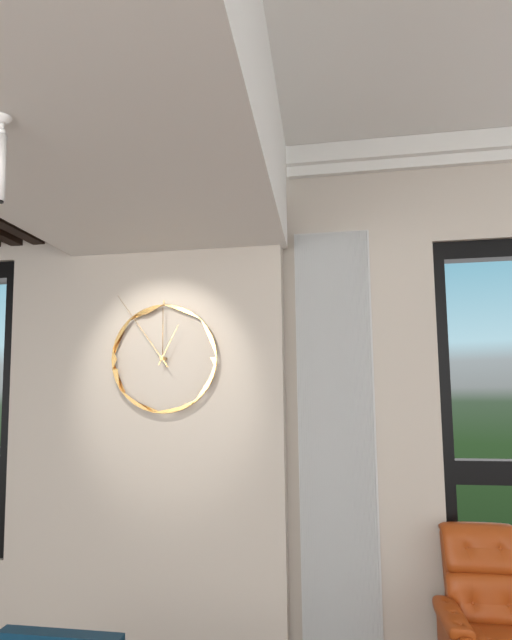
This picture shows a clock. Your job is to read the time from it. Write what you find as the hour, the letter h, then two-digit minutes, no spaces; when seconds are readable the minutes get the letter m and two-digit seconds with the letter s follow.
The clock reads 12h54
